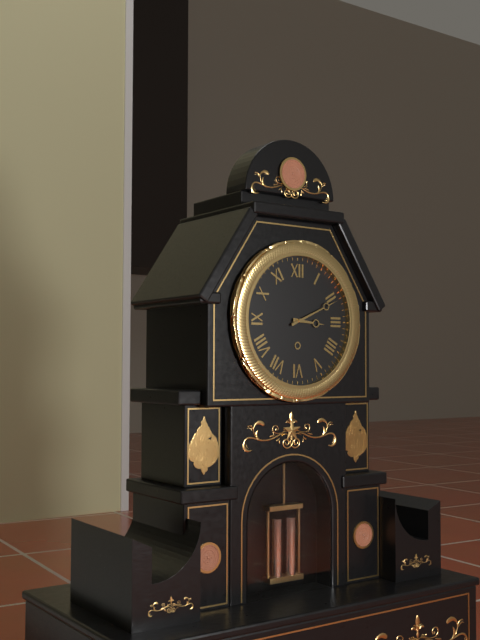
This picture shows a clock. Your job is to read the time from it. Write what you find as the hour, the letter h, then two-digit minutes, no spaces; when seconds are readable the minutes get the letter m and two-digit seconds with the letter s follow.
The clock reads 3h11
